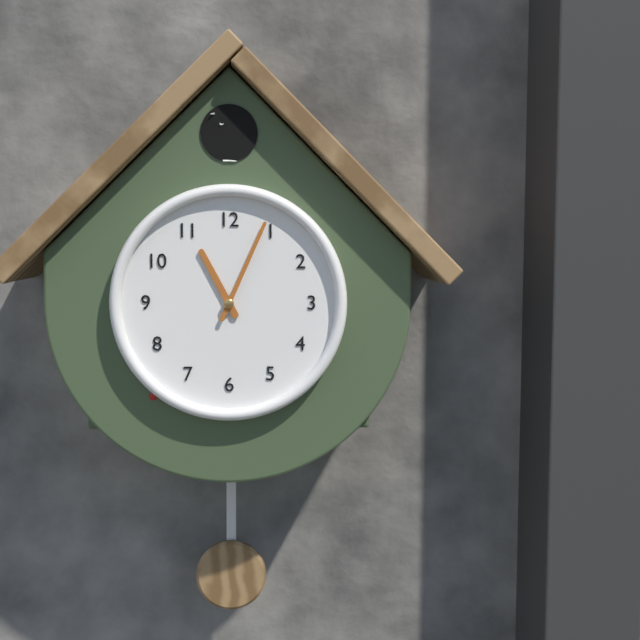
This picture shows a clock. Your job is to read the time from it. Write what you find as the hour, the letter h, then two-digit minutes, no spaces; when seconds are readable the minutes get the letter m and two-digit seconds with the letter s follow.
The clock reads 11h04
